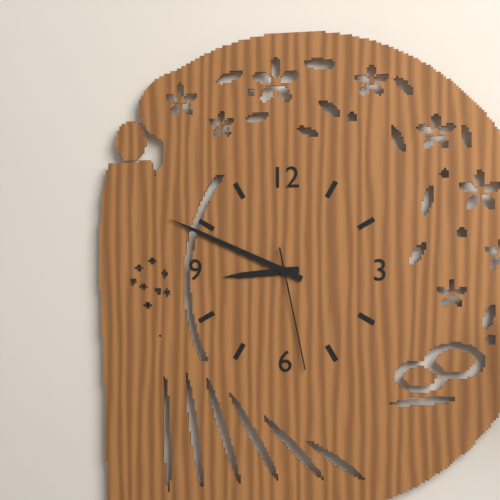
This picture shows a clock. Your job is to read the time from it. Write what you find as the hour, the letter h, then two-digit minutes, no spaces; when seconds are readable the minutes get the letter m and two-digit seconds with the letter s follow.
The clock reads 8h49m28s
